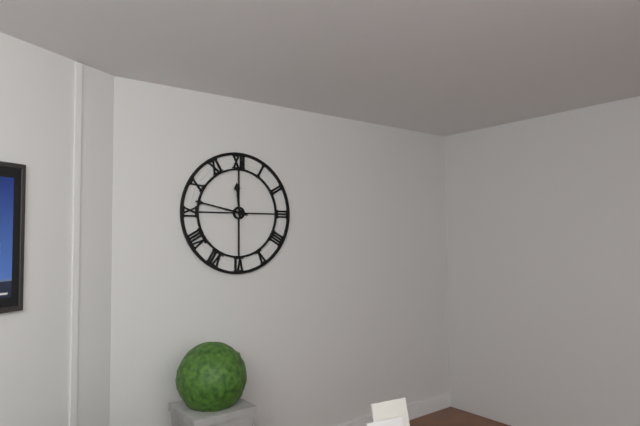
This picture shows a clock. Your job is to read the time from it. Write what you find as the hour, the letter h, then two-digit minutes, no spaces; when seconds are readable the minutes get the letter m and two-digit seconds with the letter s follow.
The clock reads 11h47
